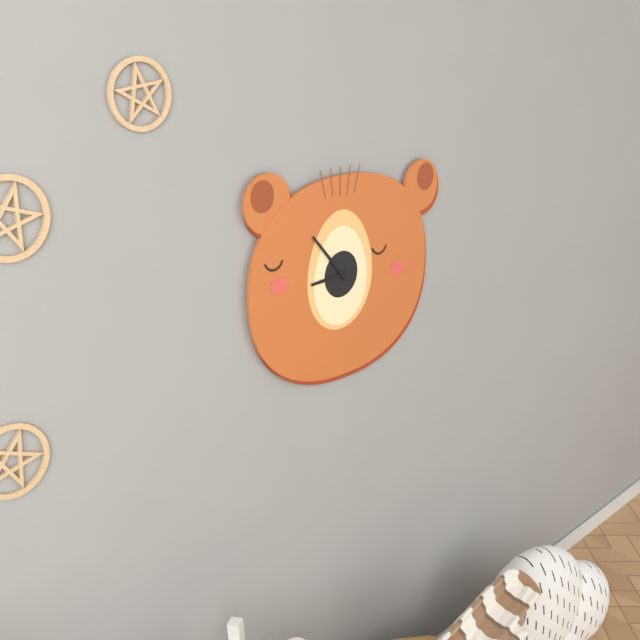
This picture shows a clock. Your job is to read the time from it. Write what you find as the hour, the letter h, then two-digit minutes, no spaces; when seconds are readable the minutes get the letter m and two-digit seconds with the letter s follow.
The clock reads 8h53
